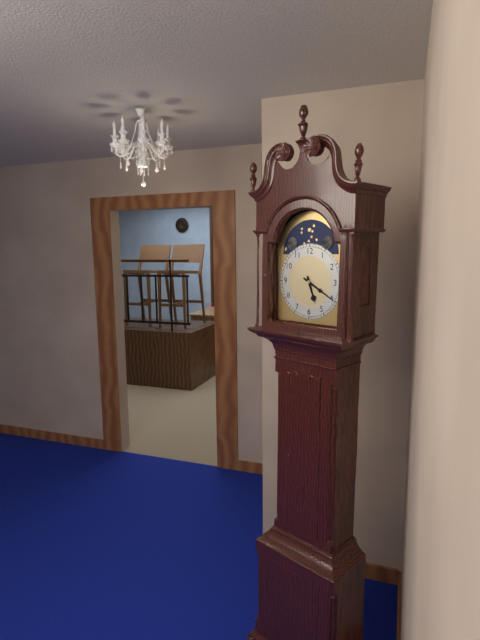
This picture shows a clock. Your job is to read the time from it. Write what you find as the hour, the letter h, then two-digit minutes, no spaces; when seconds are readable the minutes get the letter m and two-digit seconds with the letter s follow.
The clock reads 5h20
